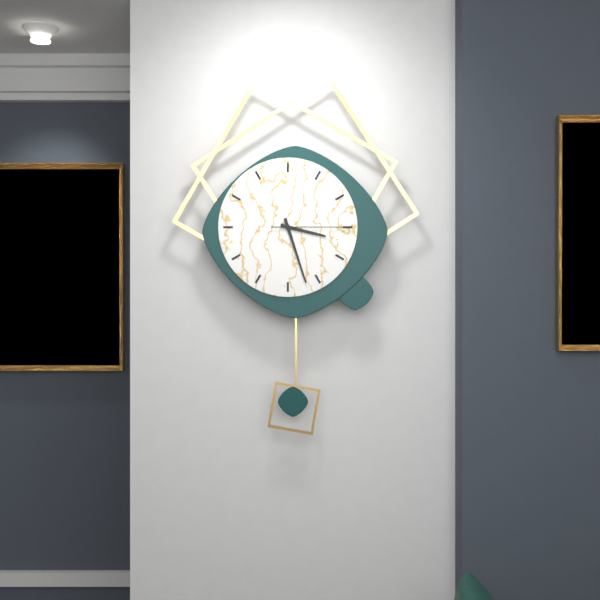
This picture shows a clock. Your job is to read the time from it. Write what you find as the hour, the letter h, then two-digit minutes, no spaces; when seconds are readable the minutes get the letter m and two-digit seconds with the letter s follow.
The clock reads 3h27m15s
